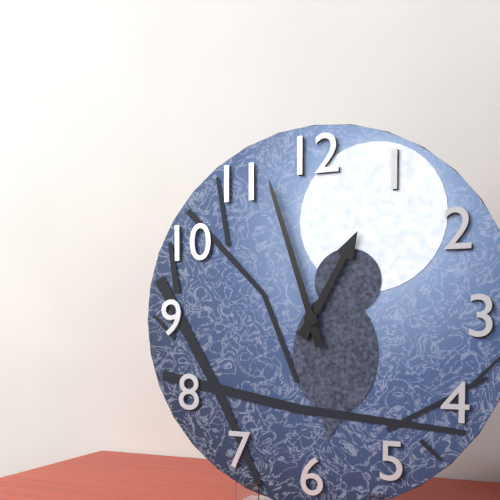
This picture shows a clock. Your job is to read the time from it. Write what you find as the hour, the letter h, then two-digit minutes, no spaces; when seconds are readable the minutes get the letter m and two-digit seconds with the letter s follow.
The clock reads 12h57
